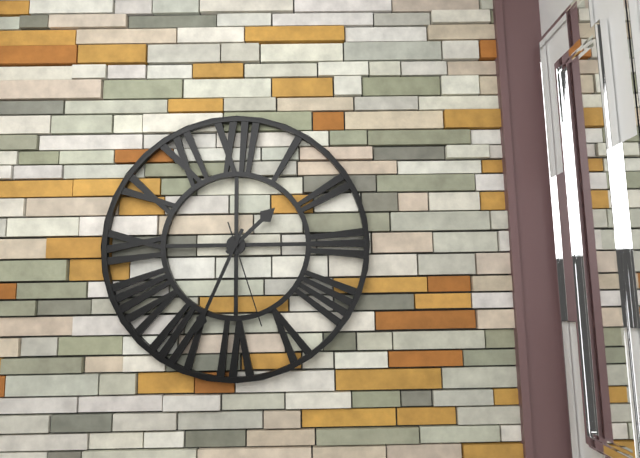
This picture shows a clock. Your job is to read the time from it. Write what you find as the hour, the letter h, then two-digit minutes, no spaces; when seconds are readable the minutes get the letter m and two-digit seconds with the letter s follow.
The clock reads 1h34m27s
